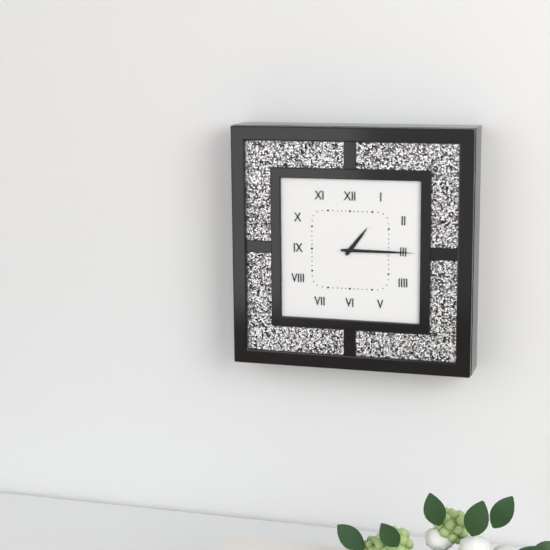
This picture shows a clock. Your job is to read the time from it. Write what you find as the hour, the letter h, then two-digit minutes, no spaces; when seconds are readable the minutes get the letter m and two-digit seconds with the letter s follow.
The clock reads 1h15
